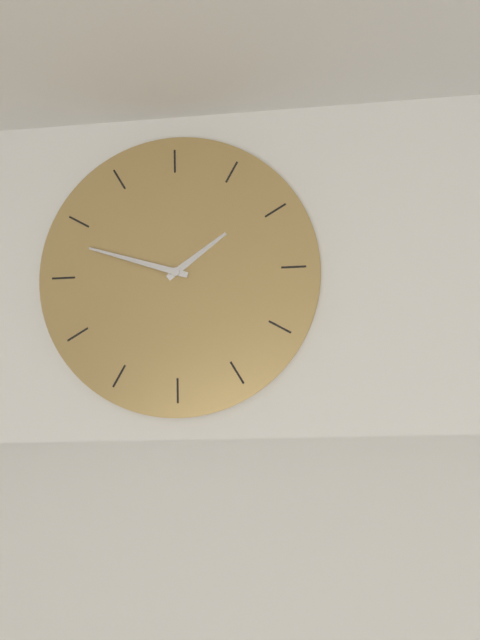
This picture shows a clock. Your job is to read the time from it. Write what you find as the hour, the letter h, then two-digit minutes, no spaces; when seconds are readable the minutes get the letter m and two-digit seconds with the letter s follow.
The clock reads 1h48
